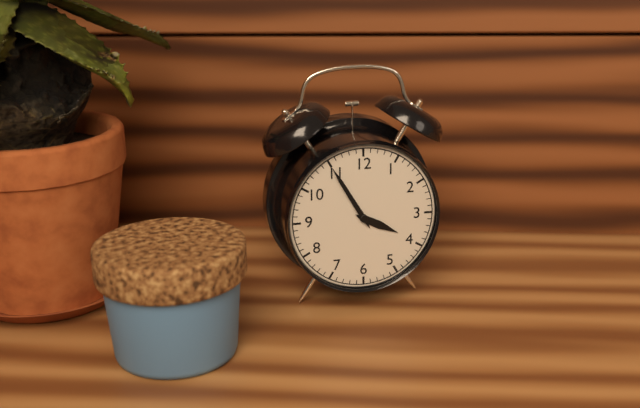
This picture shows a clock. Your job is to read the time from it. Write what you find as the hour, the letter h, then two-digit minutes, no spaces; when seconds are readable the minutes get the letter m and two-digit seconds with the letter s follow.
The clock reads 3h55
